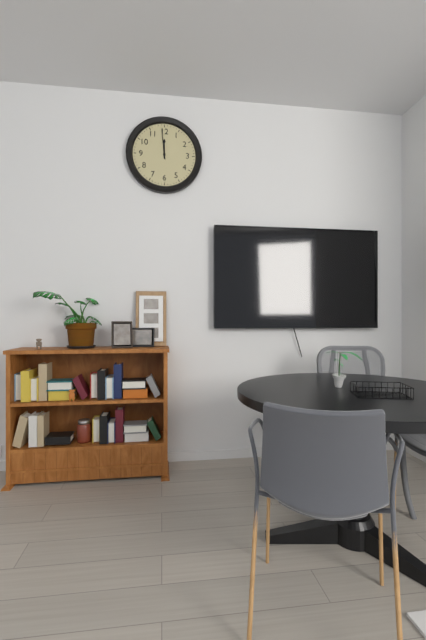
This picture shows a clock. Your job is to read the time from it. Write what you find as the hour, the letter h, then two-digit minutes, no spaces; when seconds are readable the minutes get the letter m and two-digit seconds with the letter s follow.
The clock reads 11h59
